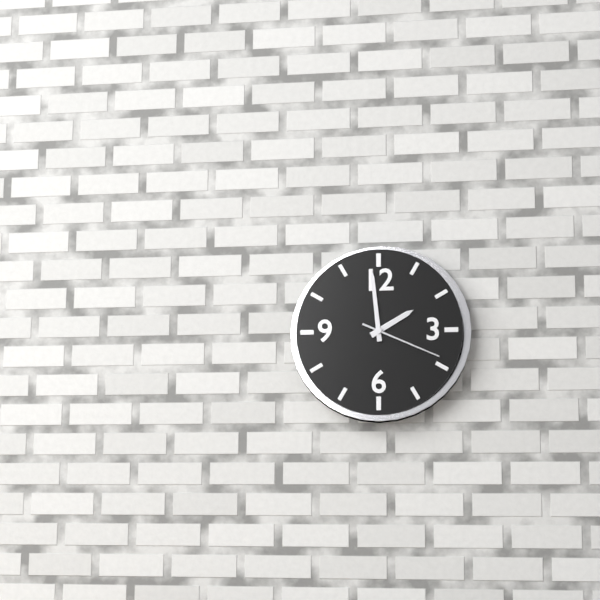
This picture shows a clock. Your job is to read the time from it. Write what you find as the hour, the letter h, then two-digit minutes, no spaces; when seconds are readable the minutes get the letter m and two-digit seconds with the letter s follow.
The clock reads 1h59m19s
